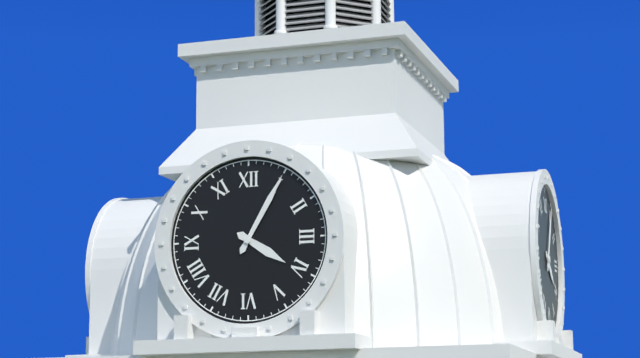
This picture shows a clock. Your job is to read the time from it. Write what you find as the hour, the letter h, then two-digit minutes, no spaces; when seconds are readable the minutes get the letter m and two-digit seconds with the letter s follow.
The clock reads 4h05
